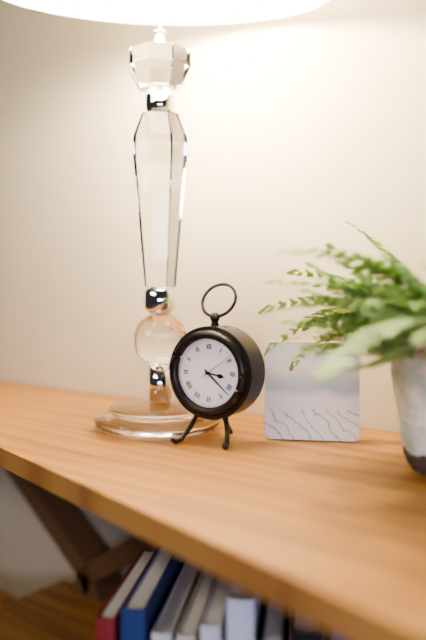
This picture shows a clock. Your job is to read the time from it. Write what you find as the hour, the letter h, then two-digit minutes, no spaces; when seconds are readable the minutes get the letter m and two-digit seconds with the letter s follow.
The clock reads 3h22
